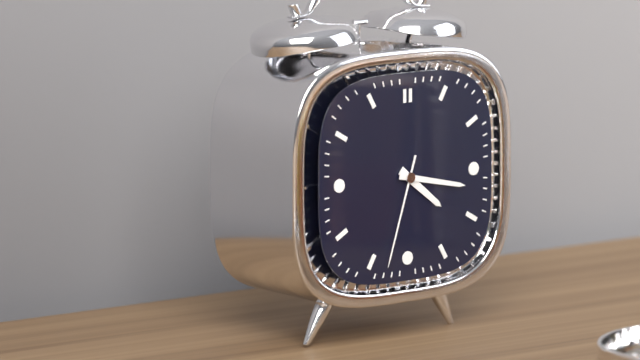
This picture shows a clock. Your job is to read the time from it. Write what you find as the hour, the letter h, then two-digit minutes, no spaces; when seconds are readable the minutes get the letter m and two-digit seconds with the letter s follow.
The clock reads 4h17m33s
